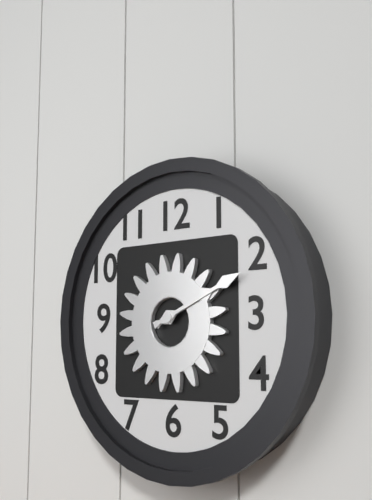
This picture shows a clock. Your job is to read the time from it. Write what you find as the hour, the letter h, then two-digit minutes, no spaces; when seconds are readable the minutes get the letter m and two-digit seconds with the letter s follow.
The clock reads 2h11
